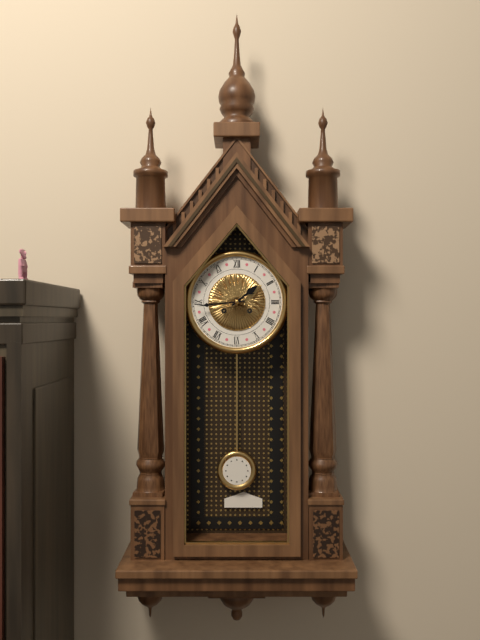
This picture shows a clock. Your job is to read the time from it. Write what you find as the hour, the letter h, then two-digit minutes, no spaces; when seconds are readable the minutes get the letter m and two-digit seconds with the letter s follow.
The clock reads 1h44
